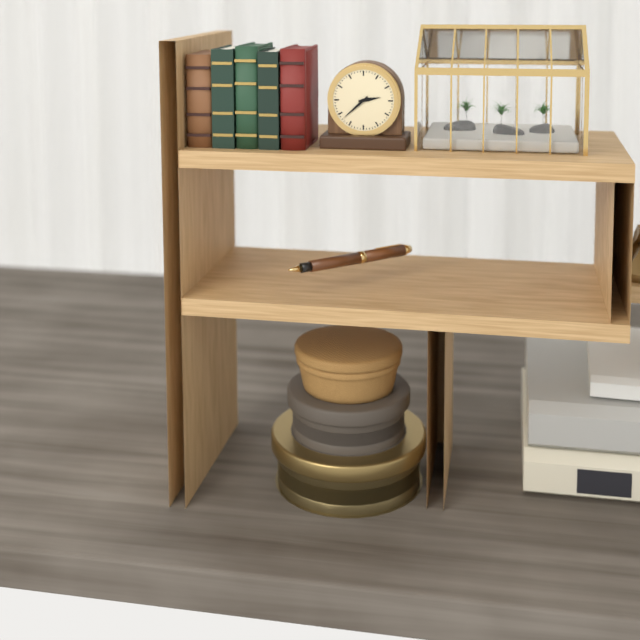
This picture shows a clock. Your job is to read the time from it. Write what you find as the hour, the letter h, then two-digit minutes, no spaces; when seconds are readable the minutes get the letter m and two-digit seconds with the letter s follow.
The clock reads 2h38
